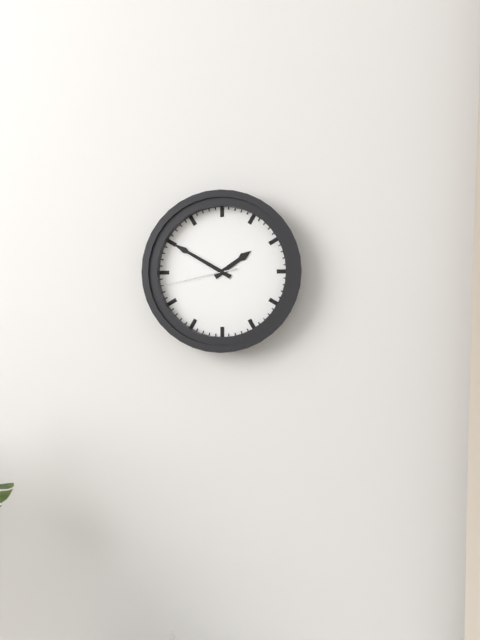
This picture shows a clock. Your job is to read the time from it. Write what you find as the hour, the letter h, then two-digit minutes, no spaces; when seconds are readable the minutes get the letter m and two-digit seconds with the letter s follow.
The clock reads 1h50m43s
